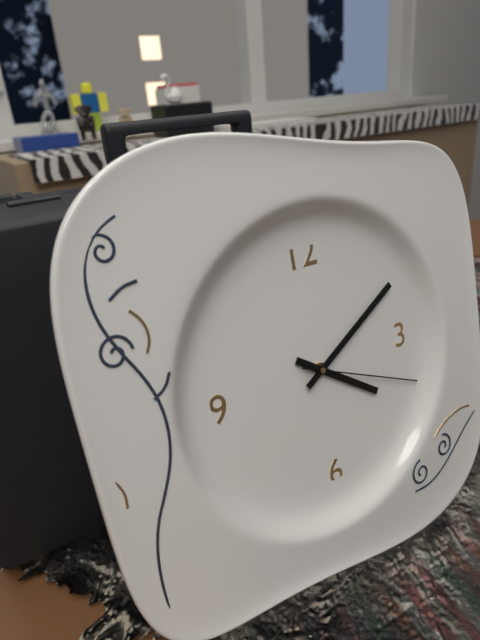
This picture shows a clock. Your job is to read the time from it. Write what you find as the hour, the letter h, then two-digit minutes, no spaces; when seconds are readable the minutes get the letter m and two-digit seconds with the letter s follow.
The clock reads 4h10m19s
